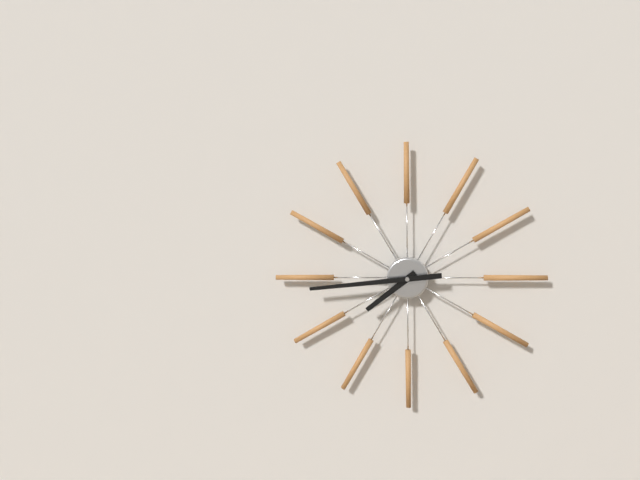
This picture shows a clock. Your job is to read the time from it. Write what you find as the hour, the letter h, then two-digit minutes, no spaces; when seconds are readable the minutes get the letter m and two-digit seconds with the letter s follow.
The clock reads 7h44
